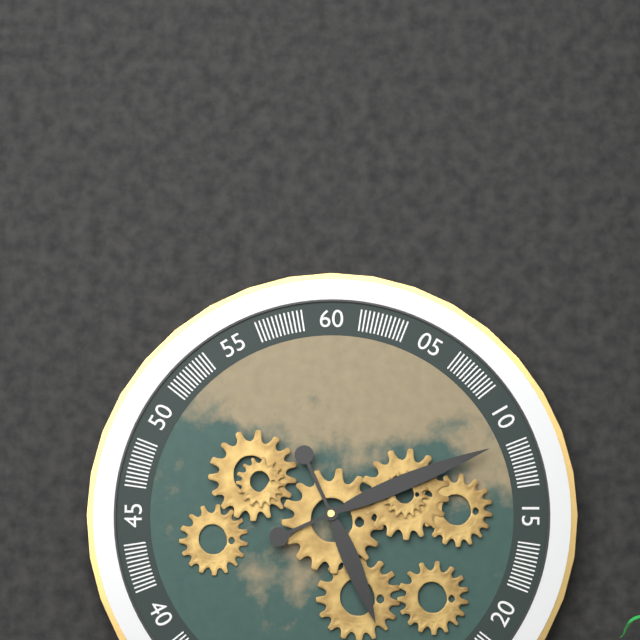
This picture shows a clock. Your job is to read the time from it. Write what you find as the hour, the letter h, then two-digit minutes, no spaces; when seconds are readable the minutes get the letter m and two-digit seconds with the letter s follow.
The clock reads 5h11
